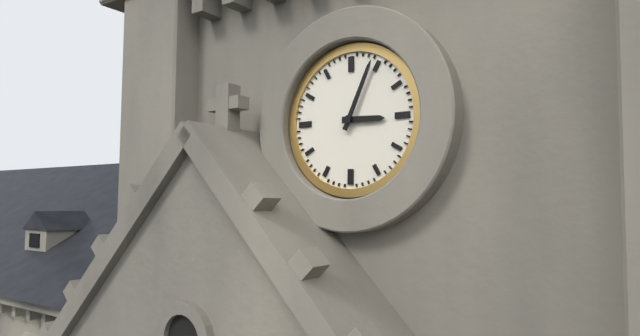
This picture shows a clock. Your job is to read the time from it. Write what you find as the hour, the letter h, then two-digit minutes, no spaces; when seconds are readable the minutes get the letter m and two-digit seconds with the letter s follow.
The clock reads 3h04
